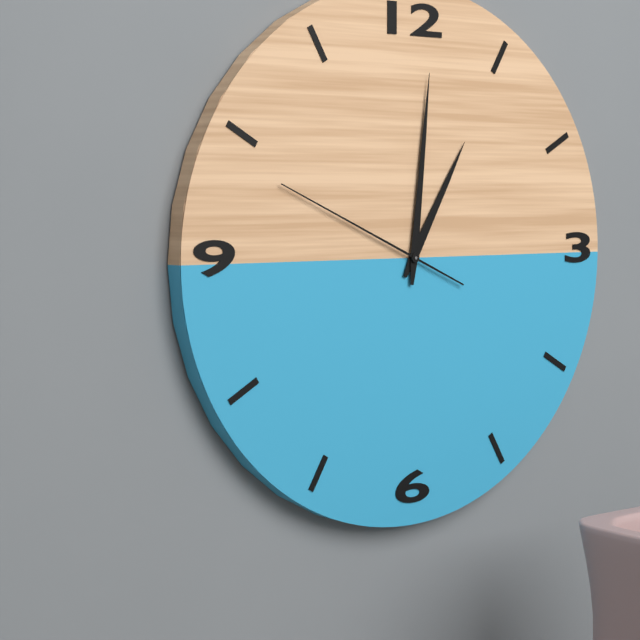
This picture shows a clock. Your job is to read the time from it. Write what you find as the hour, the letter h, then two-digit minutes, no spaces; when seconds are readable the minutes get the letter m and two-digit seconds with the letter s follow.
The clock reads 1h01m49s
